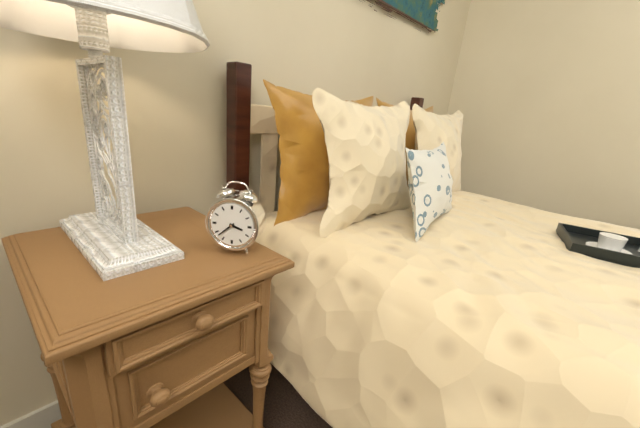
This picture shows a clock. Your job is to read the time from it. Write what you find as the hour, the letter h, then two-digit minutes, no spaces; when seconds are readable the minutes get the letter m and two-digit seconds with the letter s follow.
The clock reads 3h38
